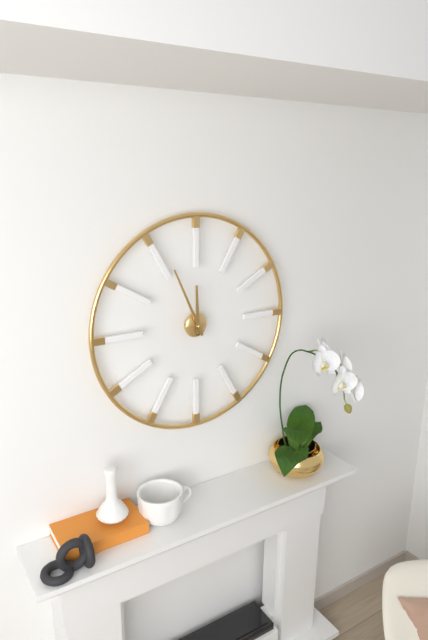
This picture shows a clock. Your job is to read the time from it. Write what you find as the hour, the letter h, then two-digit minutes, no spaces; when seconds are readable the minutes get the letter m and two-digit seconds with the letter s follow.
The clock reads 11h56
